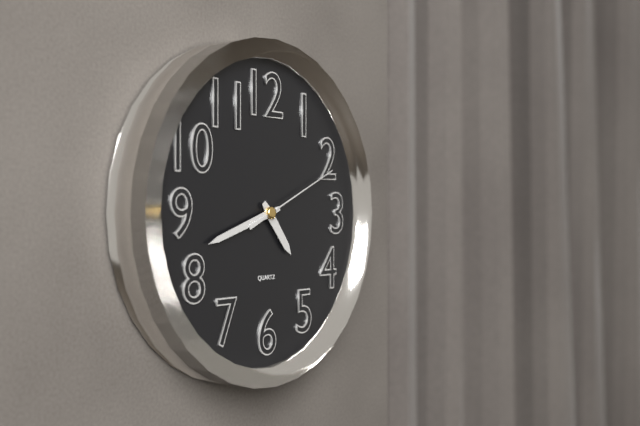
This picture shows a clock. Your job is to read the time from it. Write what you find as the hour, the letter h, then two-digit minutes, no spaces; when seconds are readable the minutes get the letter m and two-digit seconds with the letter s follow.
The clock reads 4h42m11s
